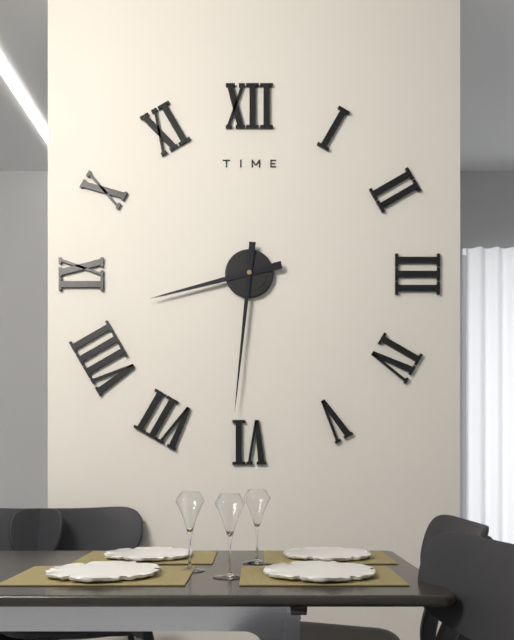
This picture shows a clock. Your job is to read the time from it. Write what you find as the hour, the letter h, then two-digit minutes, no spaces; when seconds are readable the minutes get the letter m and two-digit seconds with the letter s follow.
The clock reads 8h31
